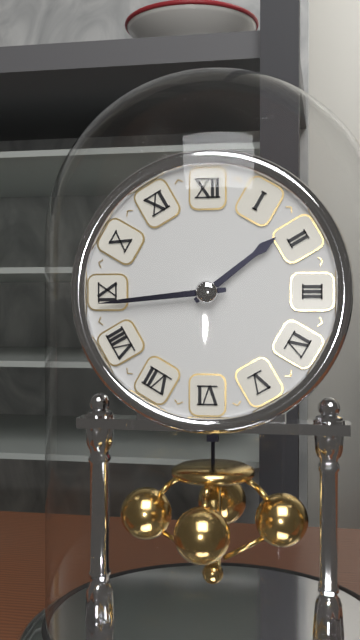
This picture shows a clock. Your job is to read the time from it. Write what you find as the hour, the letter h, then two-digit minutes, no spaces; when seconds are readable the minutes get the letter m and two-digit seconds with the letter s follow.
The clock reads 1h44
